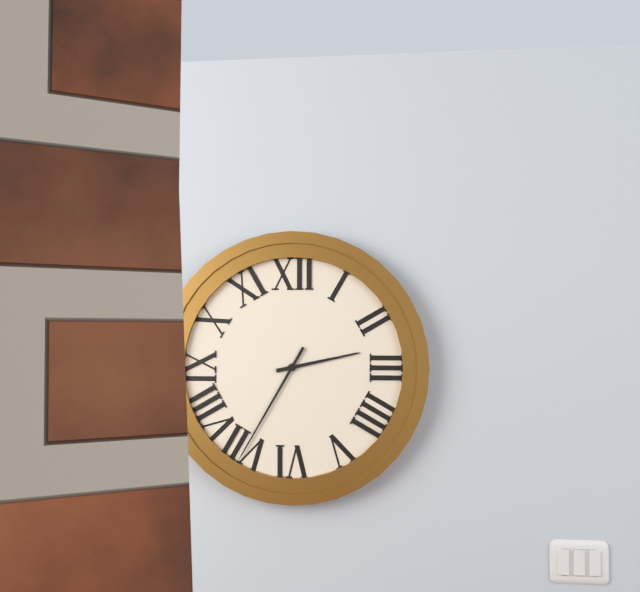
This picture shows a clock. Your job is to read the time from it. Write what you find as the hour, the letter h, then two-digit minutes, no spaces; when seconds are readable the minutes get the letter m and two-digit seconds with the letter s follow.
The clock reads 2h35
